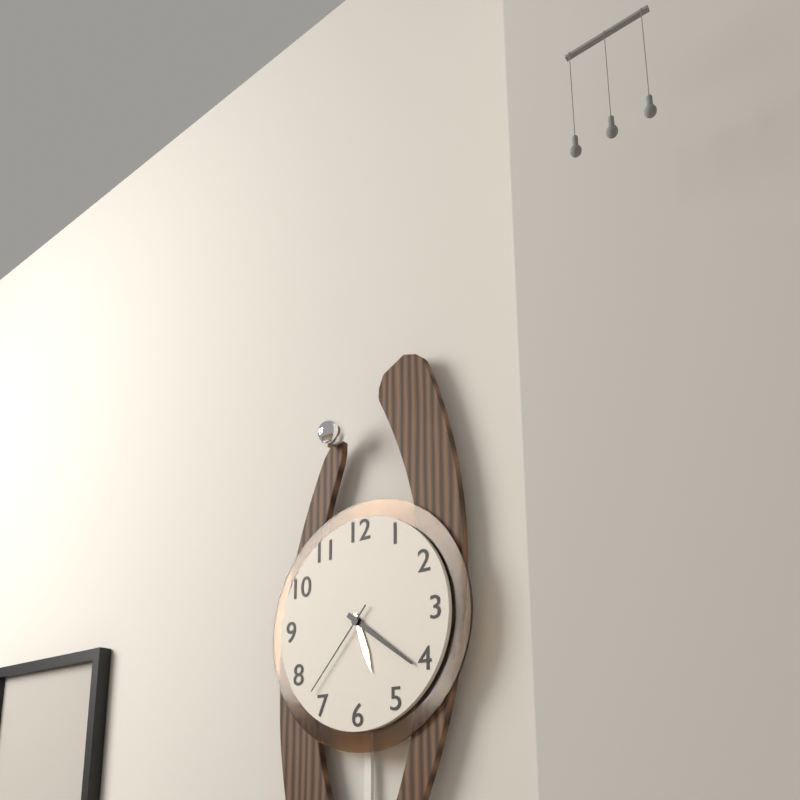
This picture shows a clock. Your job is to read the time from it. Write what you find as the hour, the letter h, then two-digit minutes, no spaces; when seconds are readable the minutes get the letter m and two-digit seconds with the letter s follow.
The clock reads 5h21m37s
